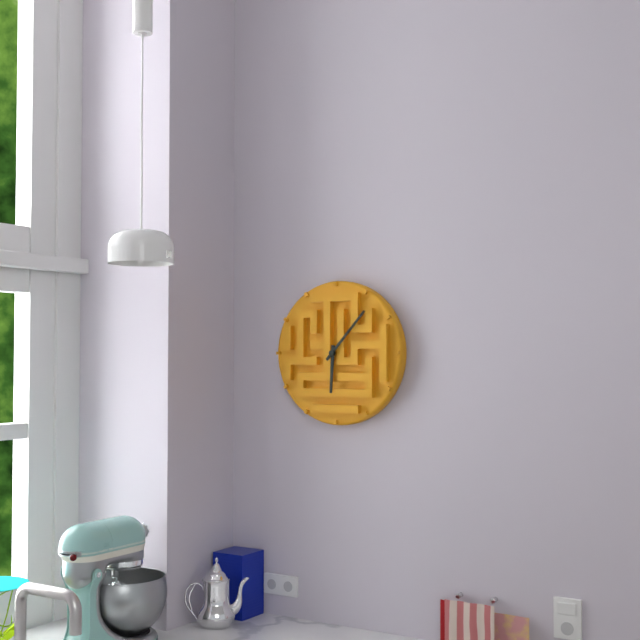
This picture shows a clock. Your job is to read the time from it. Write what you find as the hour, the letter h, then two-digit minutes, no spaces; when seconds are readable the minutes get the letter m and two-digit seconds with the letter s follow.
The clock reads 6h07
